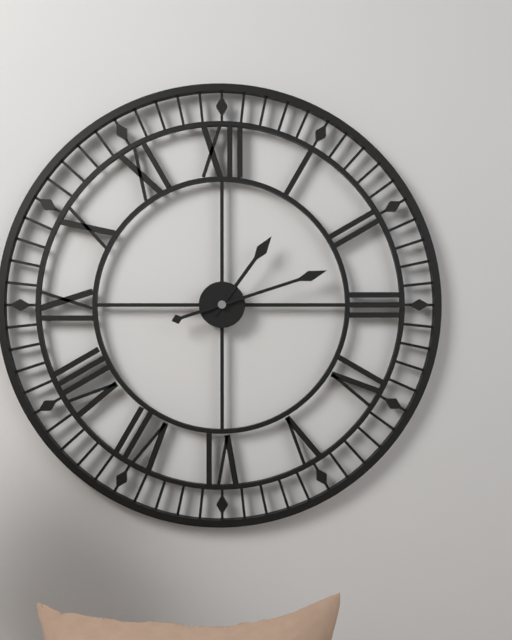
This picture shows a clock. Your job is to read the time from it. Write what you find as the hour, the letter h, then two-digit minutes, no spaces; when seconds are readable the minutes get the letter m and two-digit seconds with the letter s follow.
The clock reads 1h12
